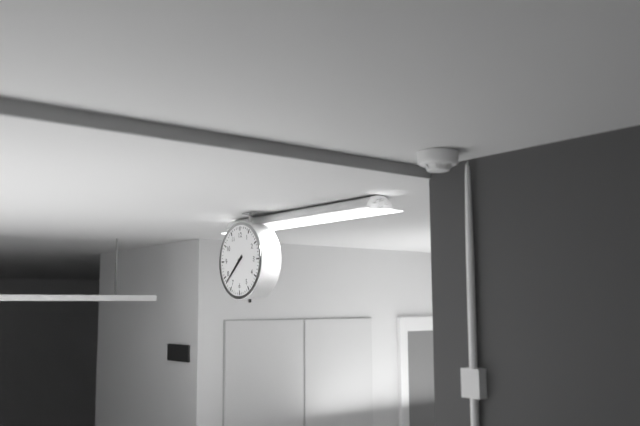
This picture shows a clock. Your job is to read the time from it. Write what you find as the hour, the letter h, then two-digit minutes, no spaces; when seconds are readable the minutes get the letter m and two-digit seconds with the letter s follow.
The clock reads 7h38
